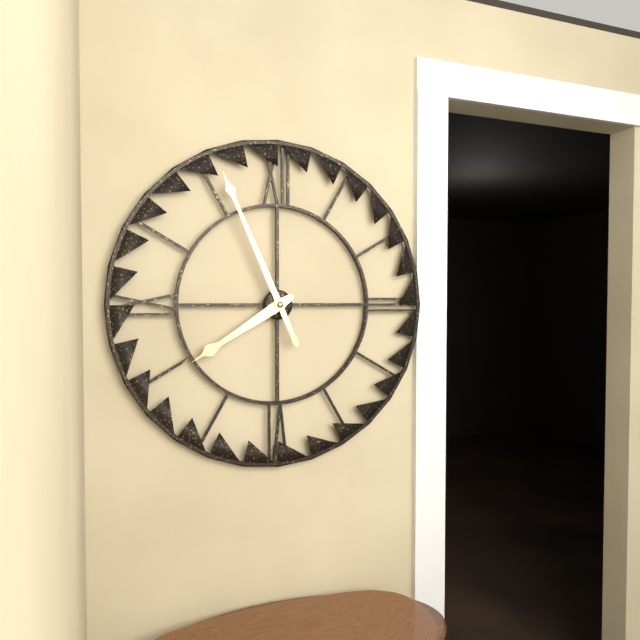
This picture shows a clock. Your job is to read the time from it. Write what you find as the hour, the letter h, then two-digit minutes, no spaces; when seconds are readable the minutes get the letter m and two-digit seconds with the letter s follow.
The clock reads 7h56
